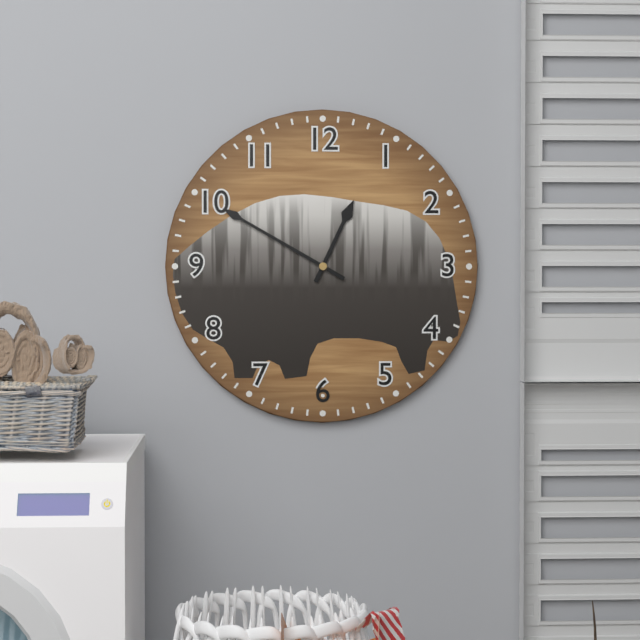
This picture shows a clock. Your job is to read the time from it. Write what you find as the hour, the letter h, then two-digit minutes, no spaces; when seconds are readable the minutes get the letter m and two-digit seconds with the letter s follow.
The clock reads 12h50
